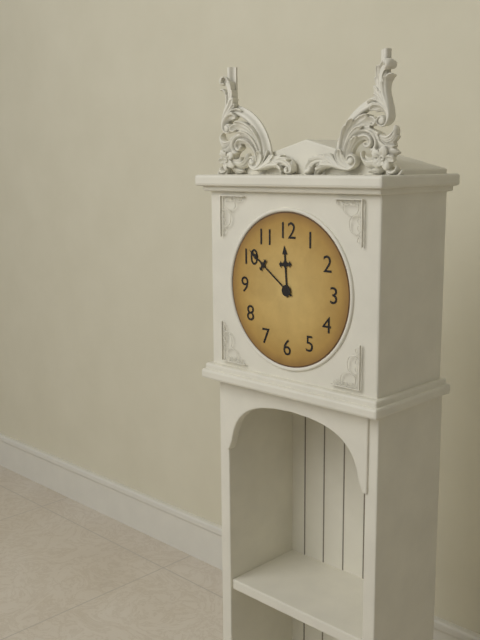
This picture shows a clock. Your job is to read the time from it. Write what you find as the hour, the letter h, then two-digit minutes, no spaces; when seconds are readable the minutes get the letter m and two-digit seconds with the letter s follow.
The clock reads 11h51
